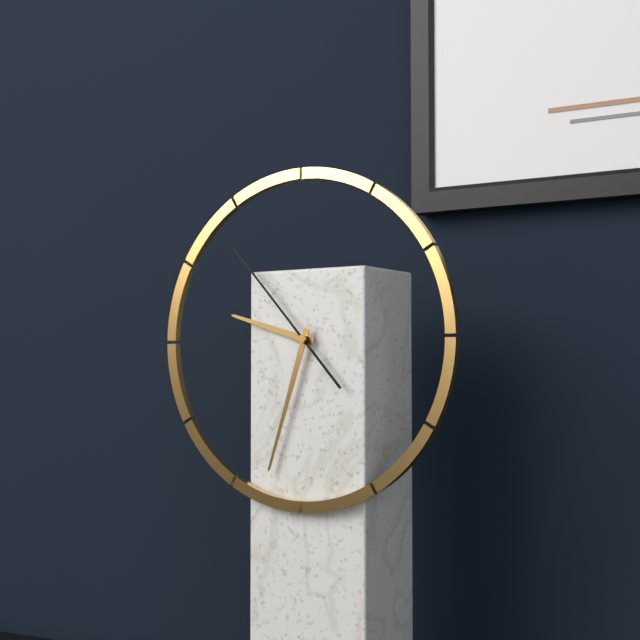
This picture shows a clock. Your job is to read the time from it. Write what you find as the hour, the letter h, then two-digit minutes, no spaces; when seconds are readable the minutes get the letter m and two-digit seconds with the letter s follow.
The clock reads 9h33m53s
